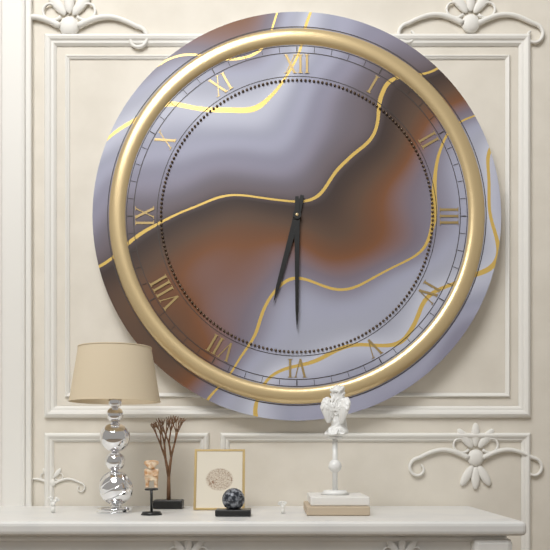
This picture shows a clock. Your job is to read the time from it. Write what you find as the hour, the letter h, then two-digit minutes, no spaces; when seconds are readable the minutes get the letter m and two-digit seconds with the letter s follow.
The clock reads 6h30
